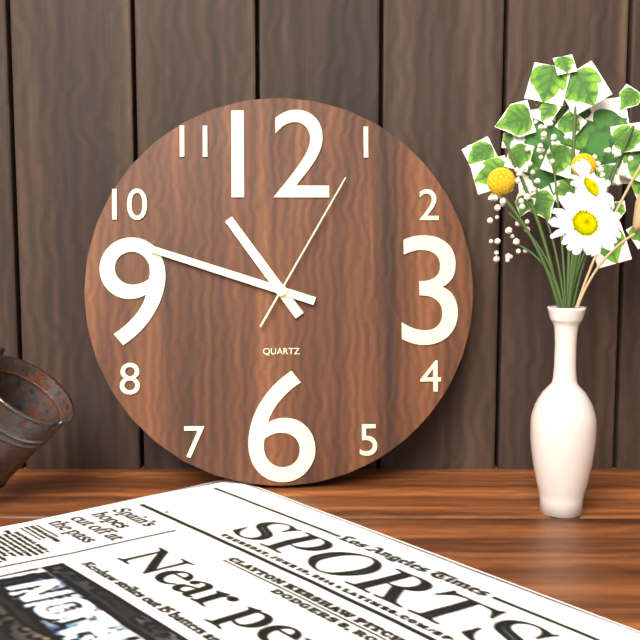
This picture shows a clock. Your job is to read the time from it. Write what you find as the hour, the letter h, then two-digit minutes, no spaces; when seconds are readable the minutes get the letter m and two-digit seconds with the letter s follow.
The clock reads 10h48m05s
